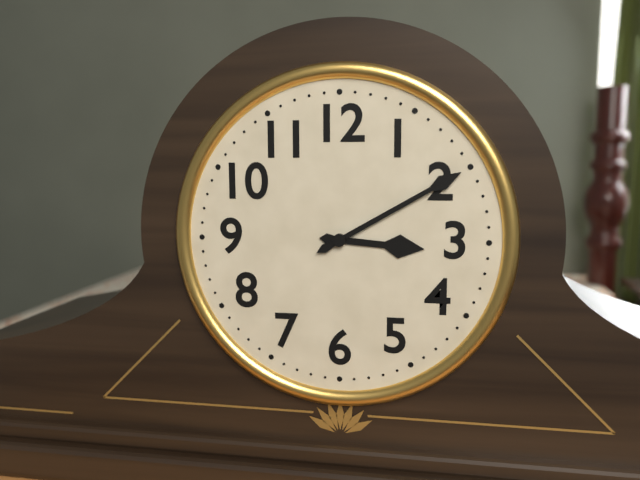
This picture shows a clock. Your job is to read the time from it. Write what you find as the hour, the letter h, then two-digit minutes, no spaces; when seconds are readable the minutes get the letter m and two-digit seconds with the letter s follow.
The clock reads 3h10
